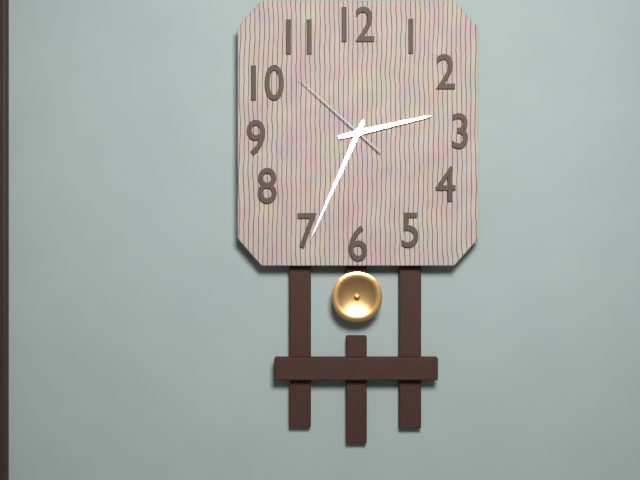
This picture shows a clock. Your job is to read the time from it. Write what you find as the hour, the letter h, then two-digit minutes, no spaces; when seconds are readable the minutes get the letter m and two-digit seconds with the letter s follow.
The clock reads 2h34m52s
